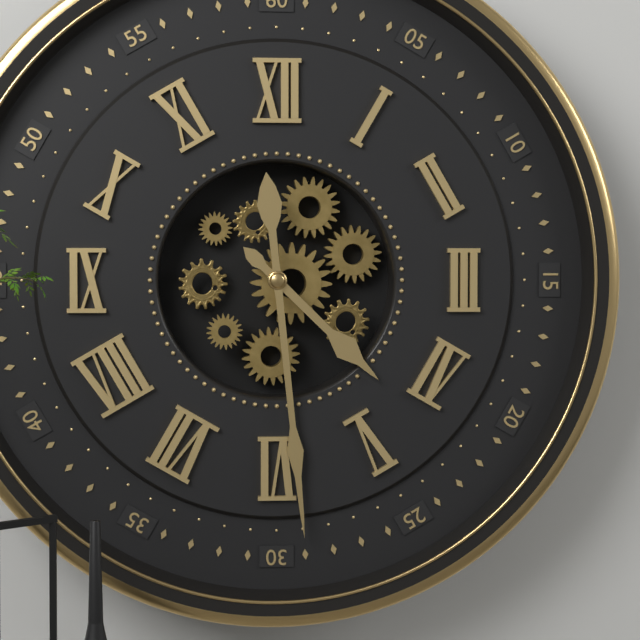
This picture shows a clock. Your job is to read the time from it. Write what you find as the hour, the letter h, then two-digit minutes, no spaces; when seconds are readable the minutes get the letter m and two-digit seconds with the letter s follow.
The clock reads 4h29
